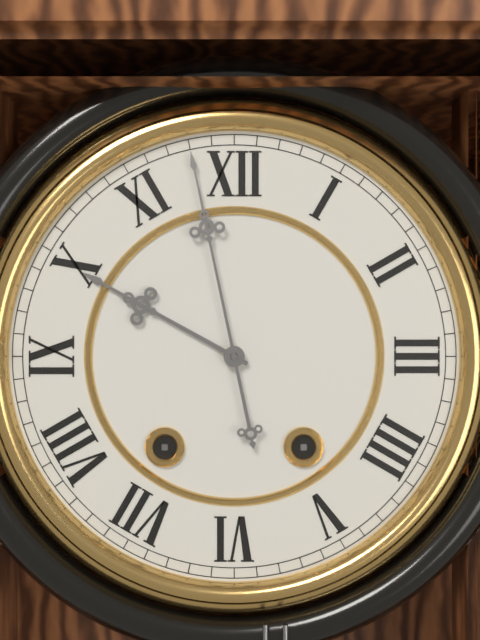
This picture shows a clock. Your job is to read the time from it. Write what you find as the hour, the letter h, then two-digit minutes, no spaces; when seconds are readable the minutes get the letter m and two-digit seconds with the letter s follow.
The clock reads 9h58
